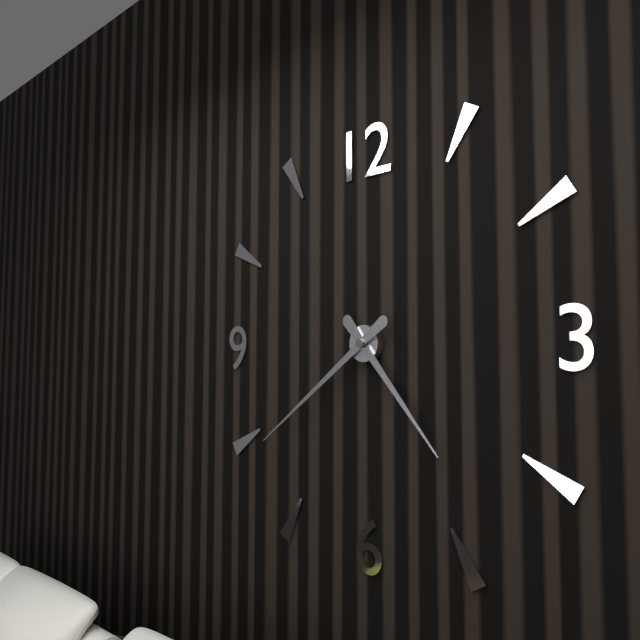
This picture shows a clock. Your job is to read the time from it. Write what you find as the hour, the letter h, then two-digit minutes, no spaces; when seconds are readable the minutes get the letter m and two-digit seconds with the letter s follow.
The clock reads 4h39
